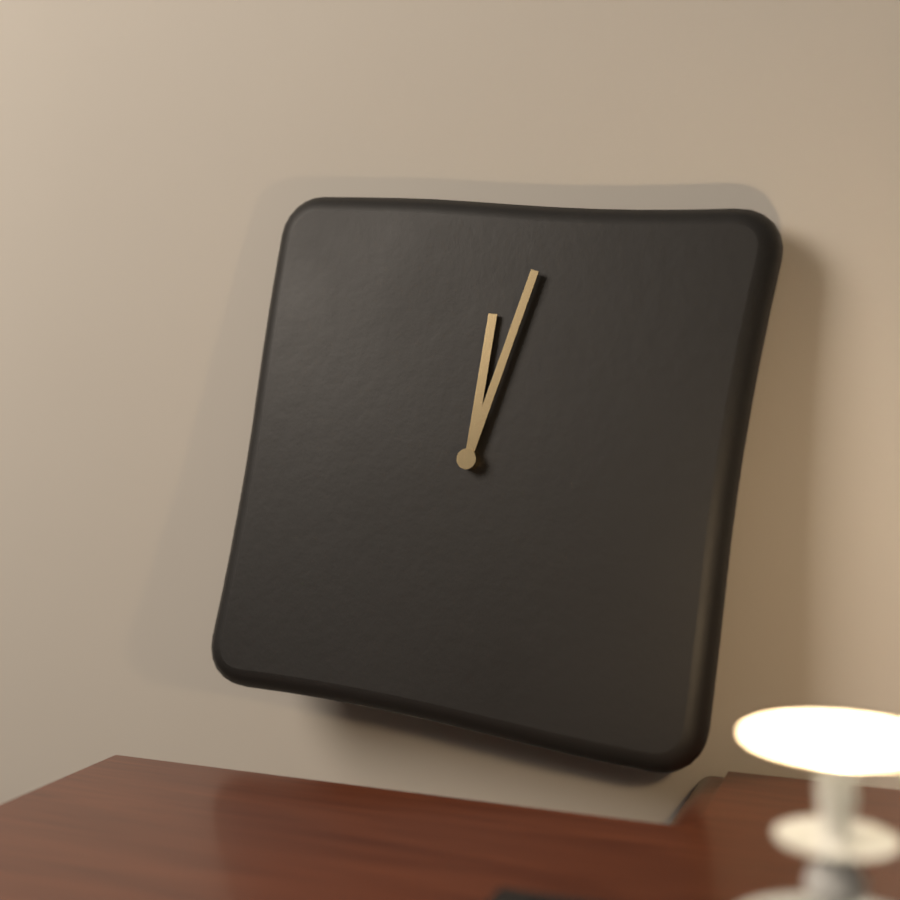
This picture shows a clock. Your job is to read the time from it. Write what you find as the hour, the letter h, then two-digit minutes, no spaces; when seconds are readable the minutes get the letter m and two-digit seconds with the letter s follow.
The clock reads 12h02
